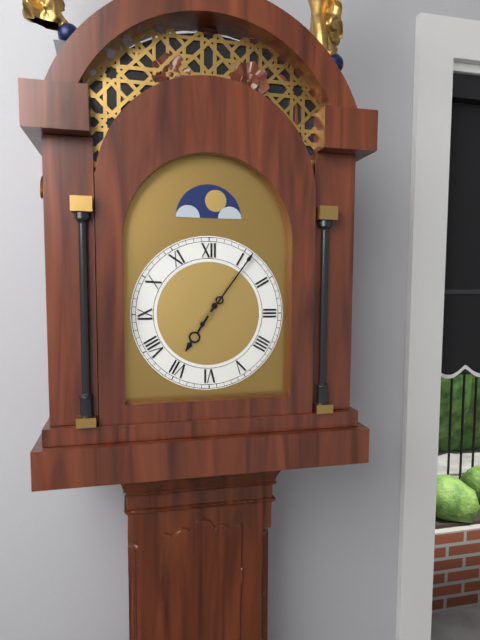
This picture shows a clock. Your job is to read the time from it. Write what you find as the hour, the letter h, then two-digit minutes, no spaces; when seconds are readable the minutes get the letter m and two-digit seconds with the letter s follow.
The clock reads 7h06
